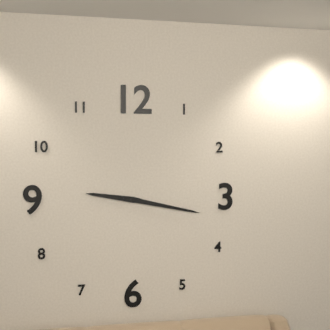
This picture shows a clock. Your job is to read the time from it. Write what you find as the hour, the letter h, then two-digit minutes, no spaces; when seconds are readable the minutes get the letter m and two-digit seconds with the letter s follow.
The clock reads 9h17
